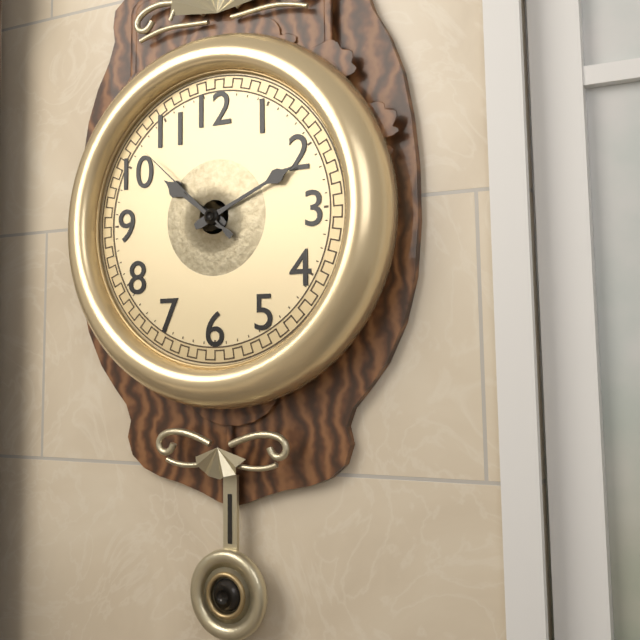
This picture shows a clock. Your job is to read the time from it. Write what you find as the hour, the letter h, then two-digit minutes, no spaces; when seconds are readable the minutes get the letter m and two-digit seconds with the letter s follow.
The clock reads 10h11m52s
